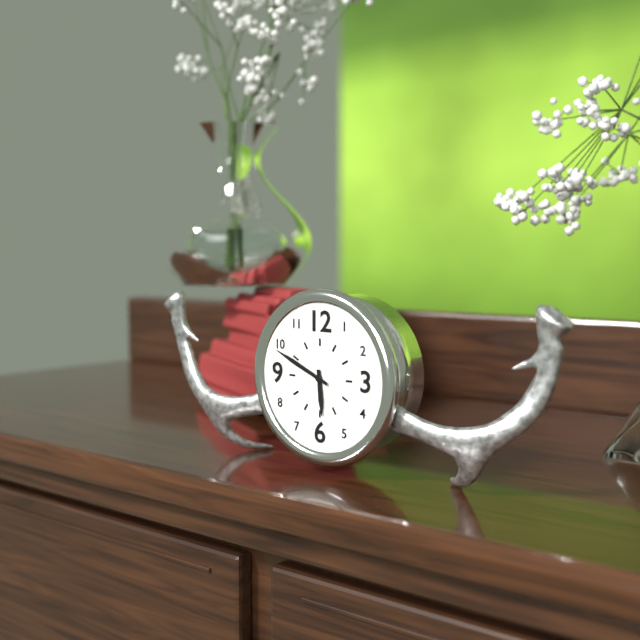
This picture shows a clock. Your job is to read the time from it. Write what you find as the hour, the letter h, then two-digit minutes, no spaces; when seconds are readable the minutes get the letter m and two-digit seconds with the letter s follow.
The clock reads 5h49
